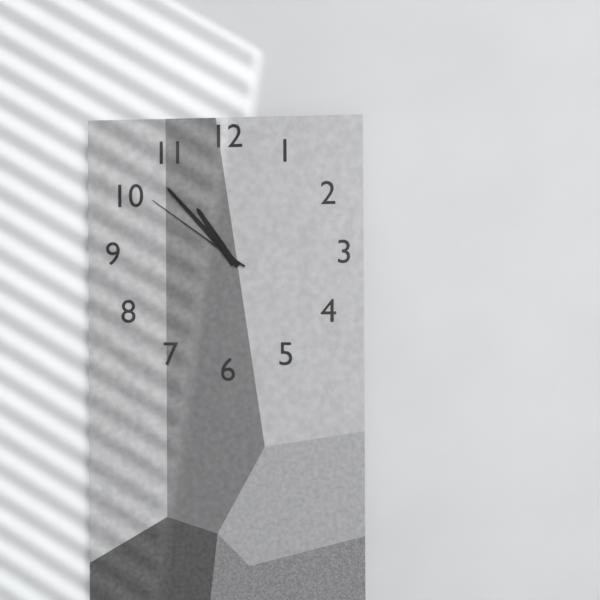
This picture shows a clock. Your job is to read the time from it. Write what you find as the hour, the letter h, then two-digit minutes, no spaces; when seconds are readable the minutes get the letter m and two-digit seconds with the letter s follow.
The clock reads 10h53m51s
